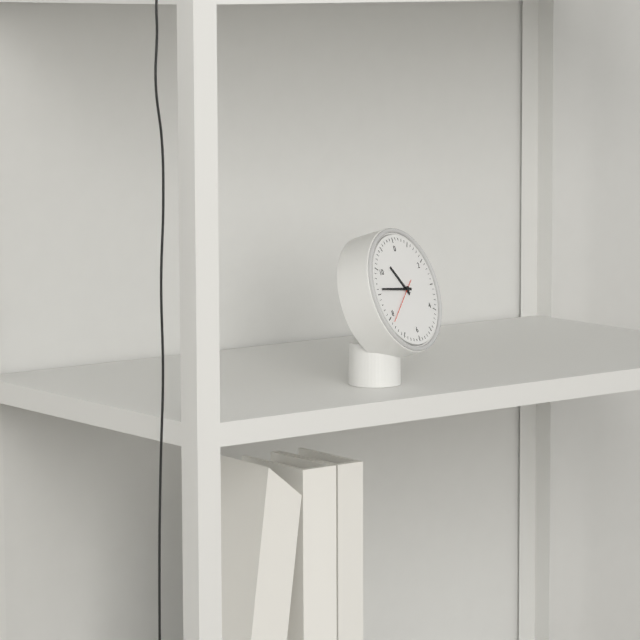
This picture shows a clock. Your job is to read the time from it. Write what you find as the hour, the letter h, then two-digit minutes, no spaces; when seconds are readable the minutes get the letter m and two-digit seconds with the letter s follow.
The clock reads 10h46
